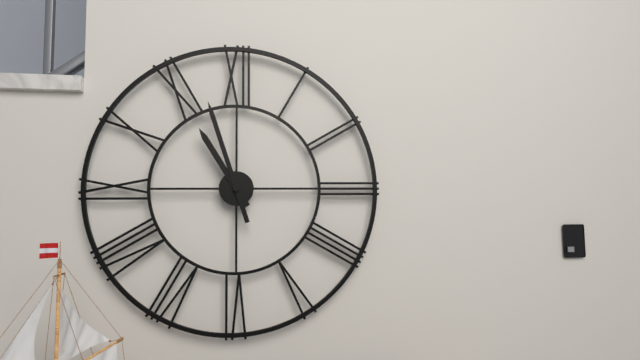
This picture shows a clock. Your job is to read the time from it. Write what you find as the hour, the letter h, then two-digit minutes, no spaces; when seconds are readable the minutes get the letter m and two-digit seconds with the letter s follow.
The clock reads 10h57
